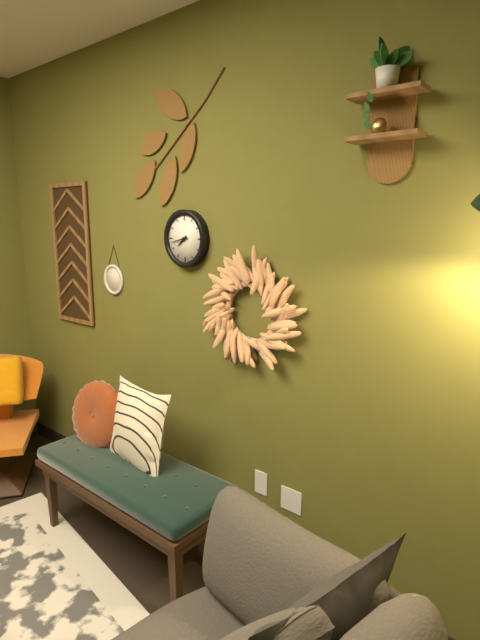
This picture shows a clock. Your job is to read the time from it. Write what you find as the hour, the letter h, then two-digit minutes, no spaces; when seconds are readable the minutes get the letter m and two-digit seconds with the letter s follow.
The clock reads 7h43
